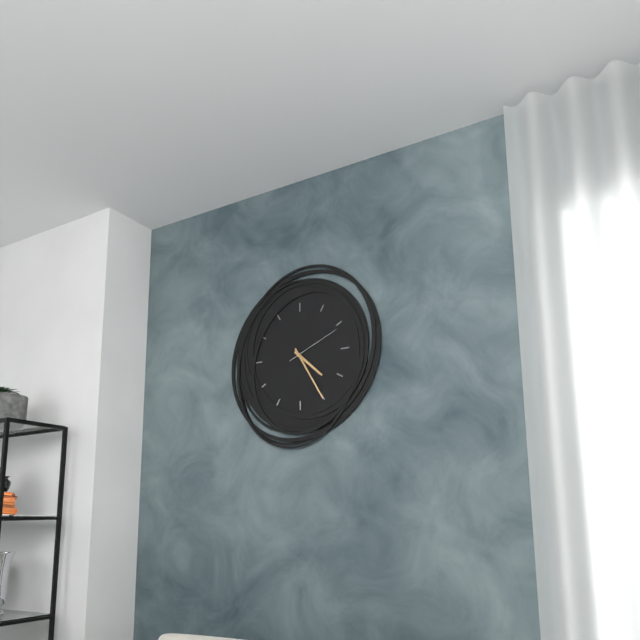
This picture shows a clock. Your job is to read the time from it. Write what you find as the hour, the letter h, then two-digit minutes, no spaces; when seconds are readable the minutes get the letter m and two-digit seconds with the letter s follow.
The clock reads 4h25m11s
